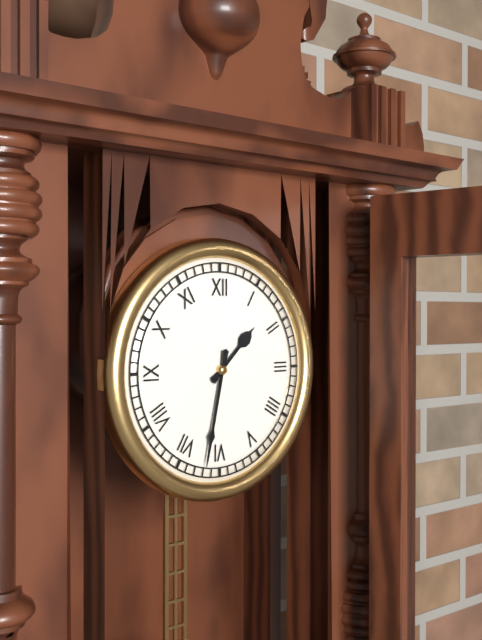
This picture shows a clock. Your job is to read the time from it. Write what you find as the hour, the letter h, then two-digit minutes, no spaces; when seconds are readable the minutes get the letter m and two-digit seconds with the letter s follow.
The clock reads 1h32
